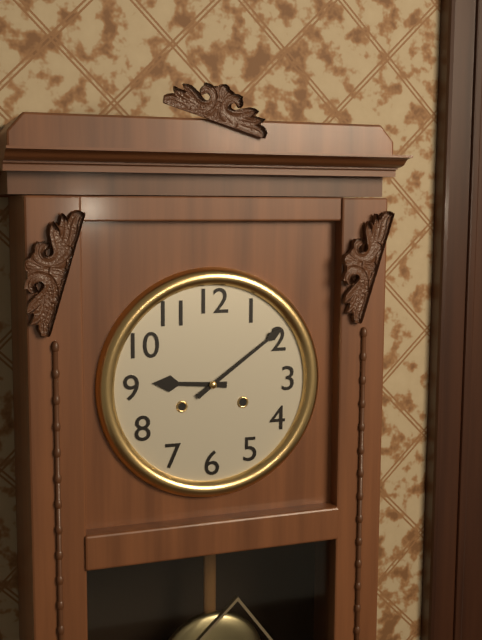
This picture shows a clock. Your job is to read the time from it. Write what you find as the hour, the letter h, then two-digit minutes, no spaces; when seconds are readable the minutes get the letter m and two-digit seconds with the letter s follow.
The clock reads 9h09
